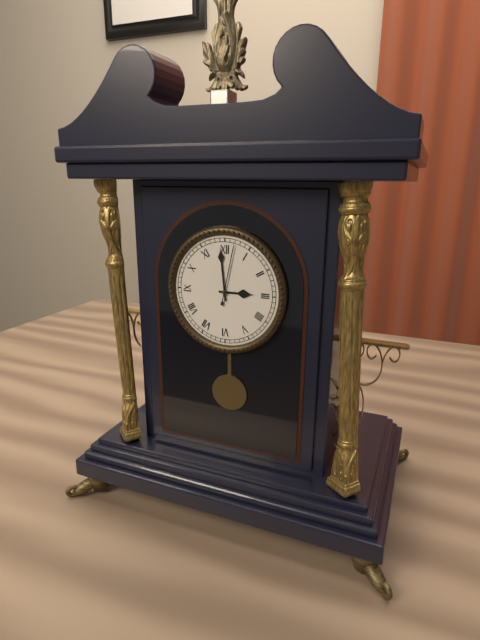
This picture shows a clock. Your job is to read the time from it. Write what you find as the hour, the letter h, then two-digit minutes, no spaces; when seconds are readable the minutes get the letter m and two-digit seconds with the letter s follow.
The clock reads 2h59m02s
